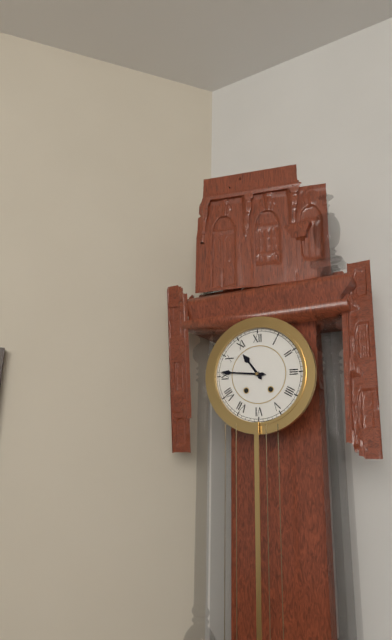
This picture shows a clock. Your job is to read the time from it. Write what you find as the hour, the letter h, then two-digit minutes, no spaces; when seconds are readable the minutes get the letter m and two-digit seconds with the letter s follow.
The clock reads 10h46
